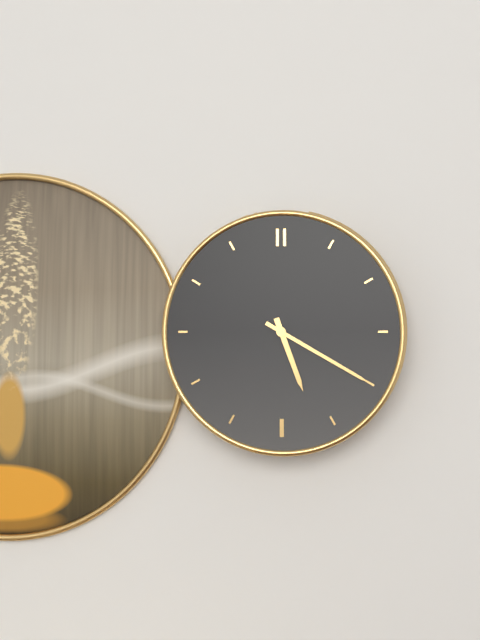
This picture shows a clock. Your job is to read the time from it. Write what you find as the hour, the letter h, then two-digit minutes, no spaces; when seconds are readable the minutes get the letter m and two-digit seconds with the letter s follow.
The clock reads 5h20
